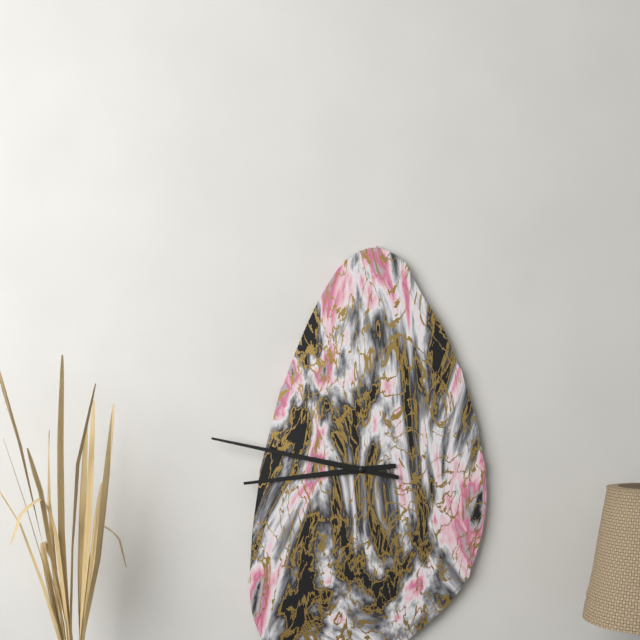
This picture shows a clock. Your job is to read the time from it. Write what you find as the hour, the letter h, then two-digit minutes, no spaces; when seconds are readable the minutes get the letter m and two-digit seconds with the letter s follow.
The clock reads 8h47
